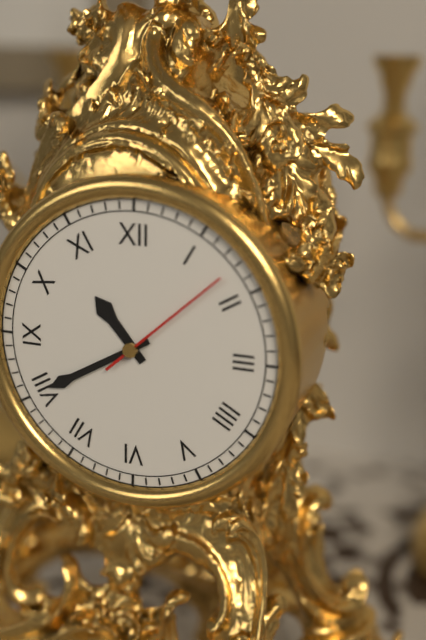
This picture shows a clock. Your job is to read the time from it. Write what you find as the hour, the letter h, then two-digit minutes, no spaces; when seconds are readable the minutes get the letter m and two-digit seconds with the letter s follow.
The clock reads 10h40m08s
